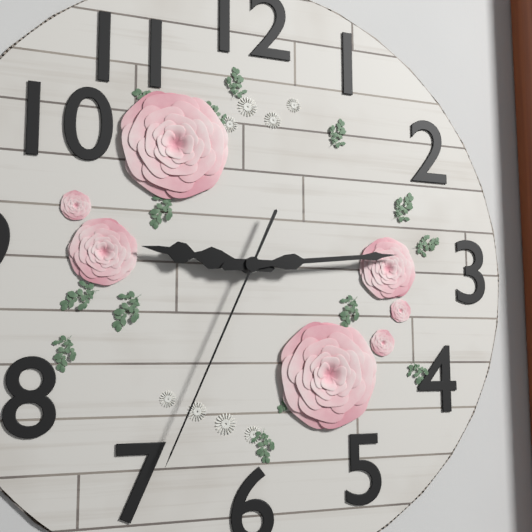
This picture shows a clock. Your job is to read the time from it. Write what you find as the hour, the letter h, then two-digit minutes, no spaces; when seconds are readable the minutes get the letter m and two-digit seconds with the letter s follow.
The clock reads 9h14m34s
